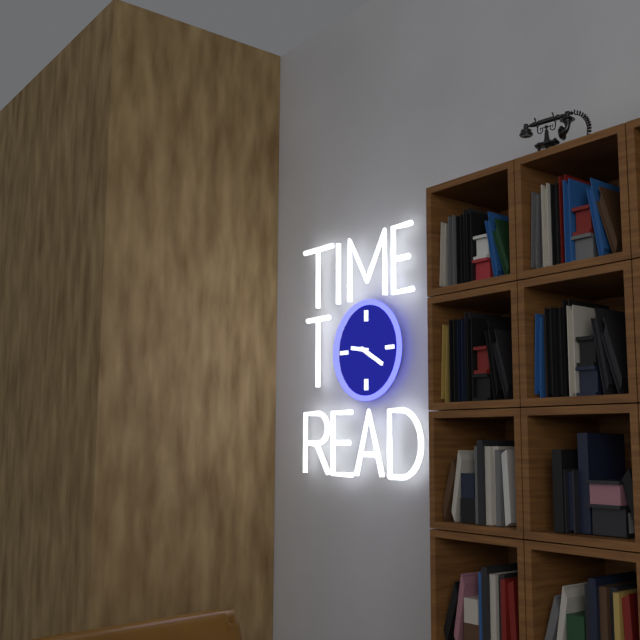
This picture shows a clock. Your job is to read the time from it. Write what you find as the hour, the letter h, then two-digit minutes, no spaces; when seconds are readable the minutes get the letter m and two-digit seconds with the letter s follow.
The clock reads 9h20
